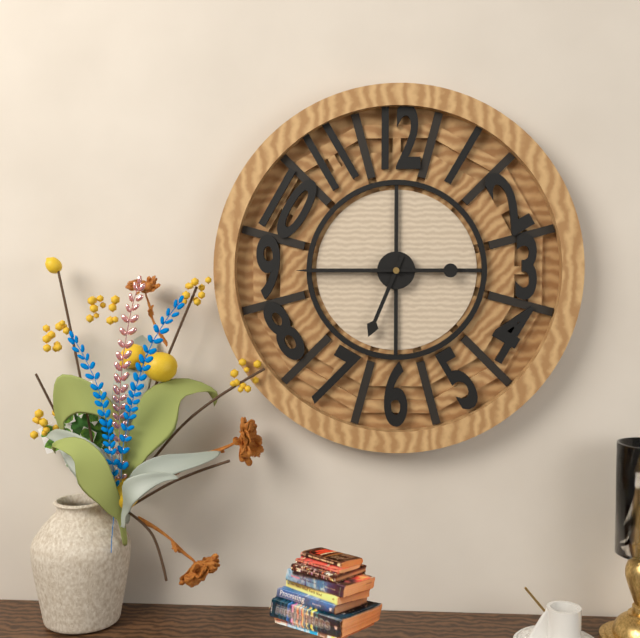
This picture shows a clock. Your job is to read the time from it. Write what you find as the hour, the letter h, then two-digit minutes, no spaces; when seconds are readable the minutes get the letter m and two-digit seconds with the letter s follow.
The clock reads 6h45
